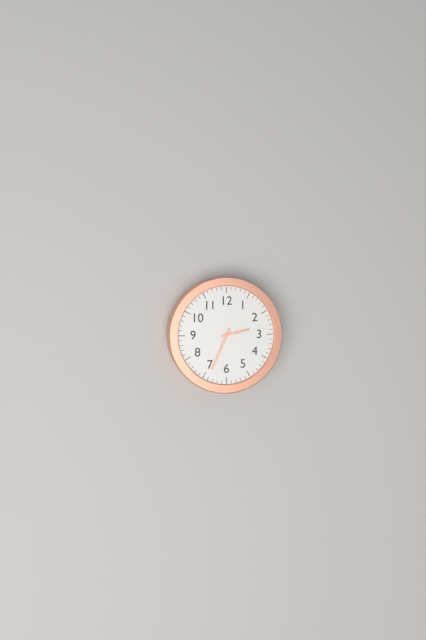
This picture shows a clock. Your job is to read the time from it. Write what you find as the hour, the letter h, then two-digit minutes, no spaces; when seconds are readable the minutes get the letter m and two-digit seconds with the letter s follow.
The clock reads 2h34
